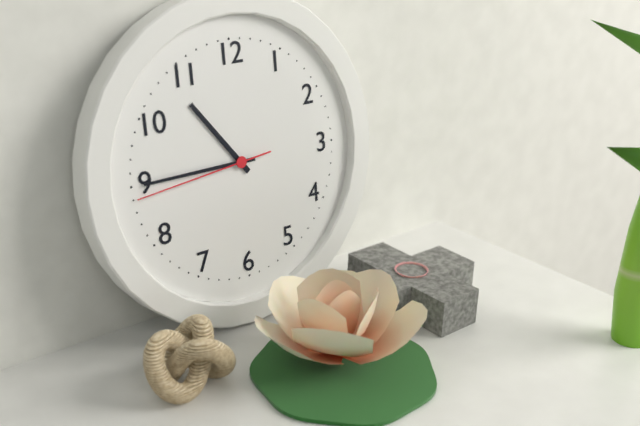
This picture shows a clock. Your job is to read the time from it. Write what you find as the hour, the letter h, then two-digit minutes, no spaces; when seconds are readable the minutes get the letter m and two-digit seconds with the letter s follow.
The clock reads 10h45m44s
